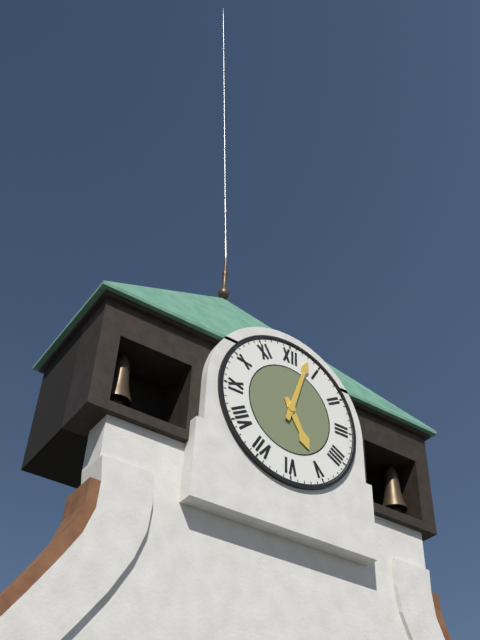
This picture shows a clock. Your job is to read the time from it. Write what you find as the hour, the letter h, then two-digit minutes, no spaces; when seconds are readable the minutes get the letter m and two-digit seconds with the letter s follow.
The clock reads 5h03
